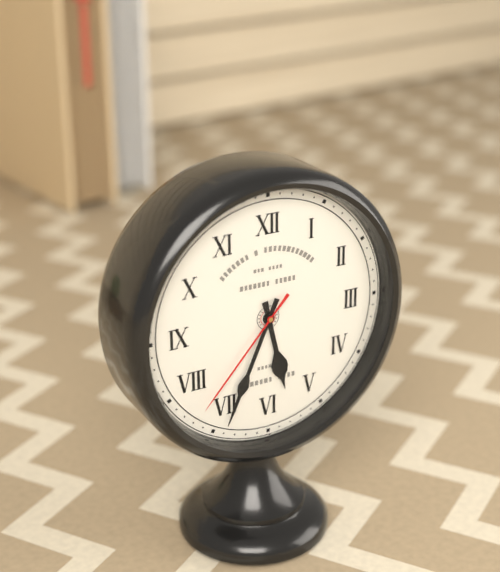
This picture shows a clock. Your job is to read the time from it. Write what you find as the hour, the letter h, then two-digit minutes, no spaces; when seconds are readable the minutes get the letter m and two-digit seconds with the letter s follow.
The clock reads 5h34m37s
